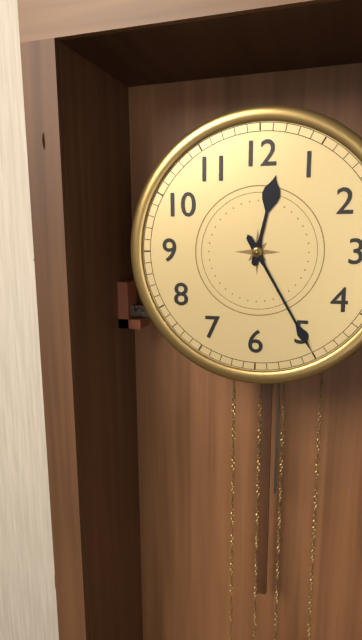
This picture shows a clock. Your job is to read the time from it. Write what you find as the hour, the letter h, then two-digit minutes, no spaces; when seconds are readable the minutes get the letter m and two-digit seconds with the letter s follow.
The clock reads 12h25
